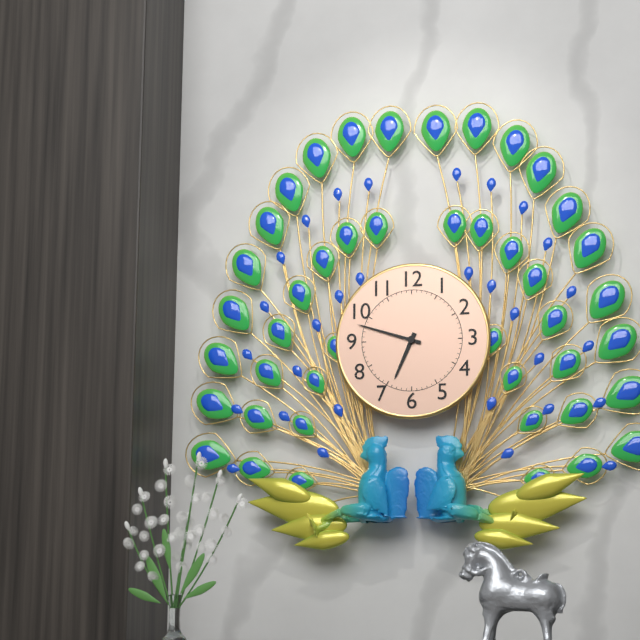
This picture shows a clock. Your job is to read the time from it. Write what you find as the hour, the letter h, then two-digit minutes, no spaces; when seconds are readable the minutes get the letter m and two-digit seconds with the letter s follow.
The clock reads 6h48
